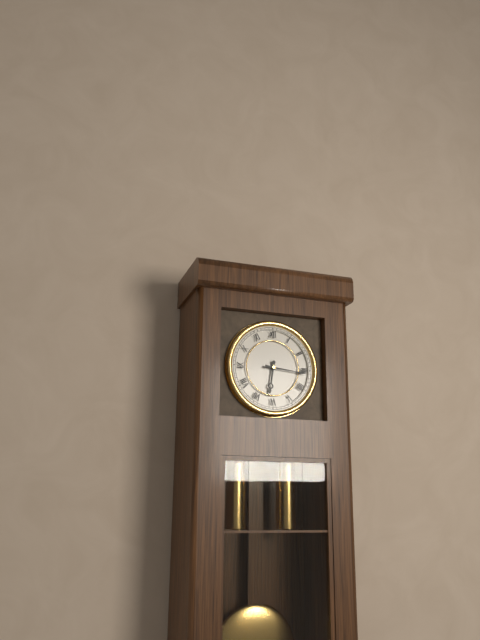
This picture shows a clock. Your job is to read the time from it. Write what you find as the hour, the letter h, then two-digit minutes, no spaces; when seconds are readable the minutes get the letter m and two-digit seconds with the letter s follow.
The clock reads 6h16
